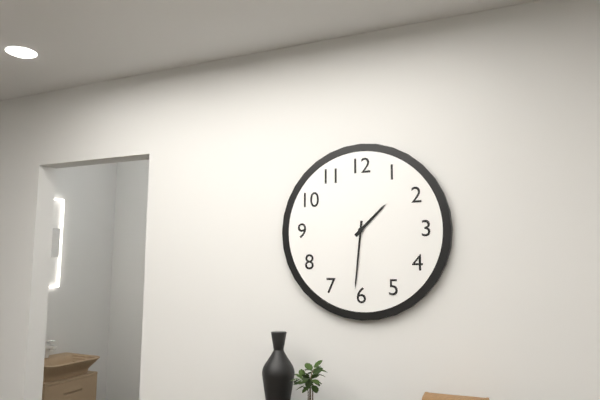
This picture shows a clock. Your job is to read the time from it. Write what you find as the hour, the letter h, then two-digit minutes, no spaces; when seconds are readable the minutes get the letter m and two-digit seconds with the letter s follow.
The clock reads 1h31
